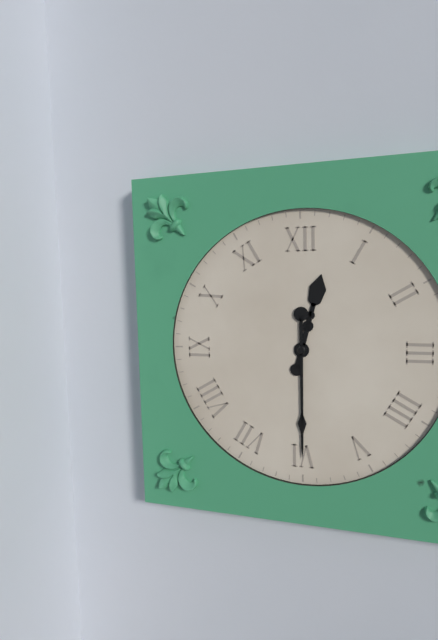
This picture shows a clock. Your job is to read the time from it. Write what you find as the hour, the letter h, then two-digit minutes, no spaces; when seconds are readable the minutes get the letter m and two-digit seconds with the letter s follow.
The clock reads 12h30
